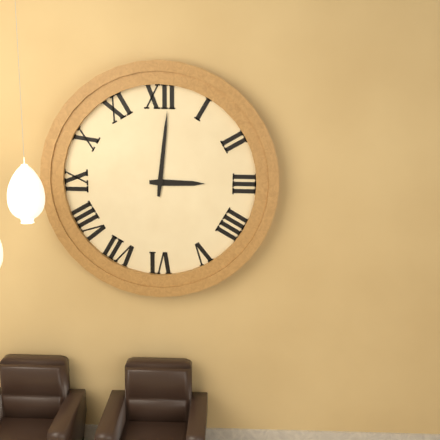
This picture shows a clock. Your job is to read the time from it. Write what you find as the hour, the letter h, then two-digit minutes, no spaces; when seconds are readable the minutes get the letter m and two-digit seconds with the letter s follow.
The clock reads 3h01
